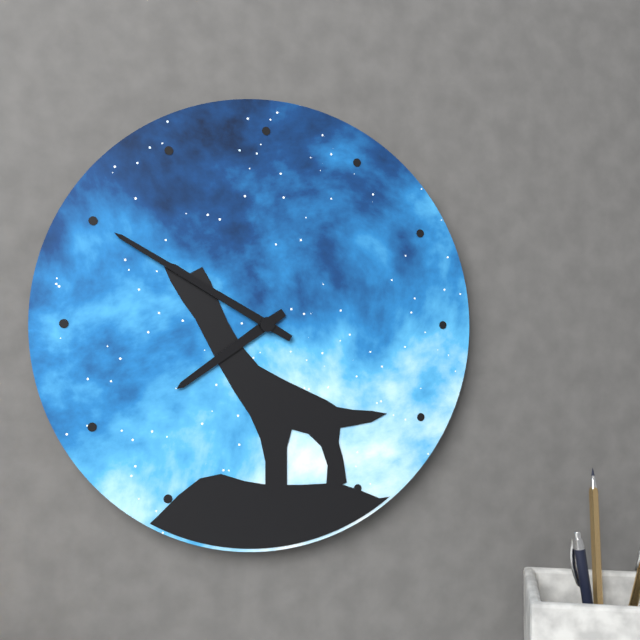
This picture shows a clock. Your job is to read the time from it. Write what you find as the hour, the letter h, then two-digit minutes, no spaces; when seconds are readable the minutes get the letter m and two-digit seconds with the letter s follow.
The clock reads 7h50
